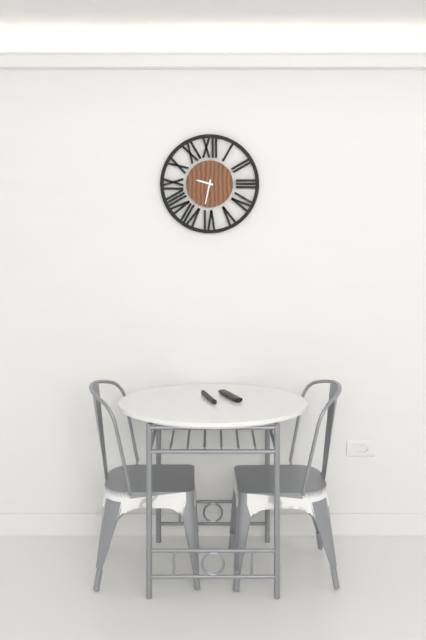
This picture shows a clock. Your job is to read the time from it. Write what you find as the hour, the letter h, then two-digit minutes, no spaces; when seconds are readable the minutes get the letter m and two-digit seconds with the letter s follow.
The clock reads 9h32
